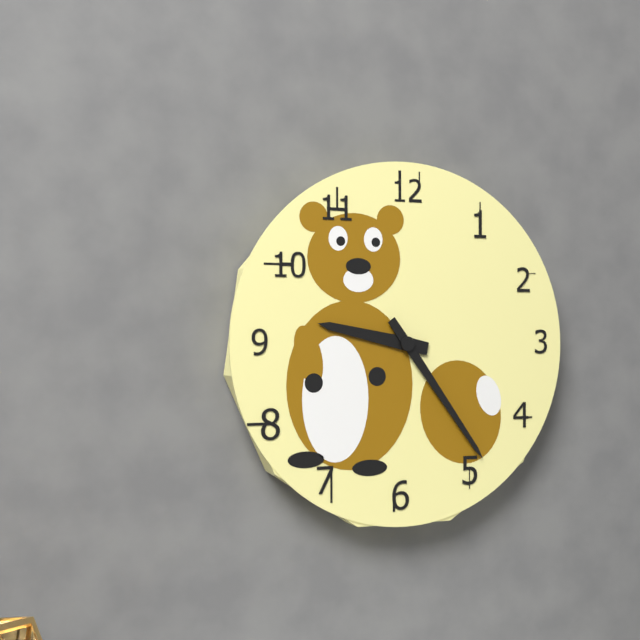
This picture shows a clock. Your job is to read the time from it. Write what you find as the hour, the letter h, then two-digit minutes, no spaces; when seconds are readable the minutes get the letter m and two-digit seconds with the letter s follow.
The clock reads 9h24
